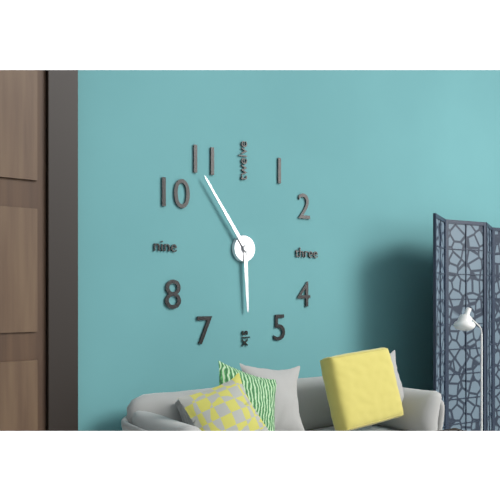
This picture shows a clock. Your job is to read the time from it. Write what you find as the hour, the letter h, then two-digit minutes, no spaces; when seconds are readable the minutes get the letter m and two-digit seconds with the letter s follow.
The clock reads 5h54
